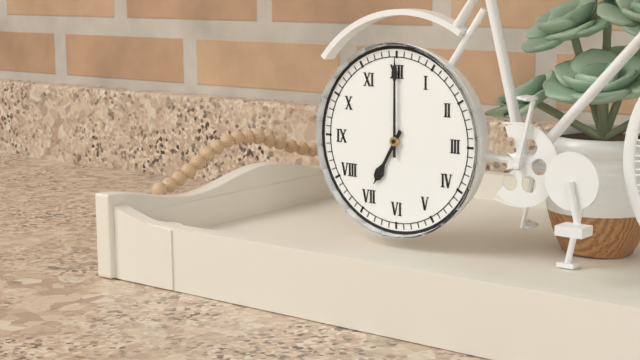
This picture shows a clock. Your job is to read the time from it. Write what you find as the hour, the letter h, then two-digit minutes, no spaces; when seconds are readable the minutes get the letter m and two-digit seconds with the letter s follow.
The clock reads 7h00
